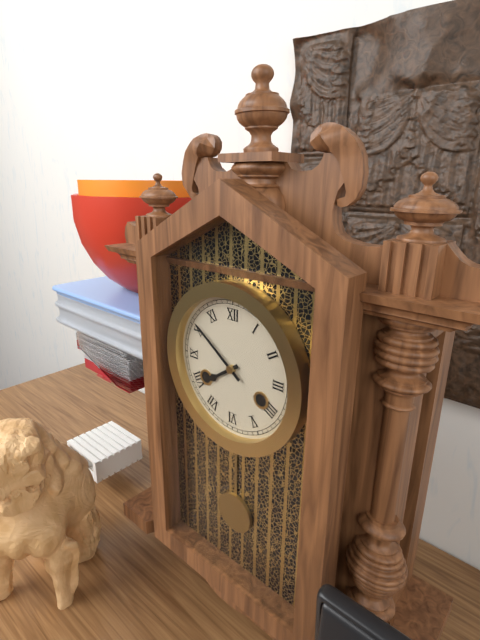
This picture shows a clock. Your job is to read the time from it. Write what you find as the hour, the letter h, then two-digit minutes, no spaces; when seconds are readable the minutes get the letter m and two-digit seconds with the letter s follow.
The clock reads 7h51
